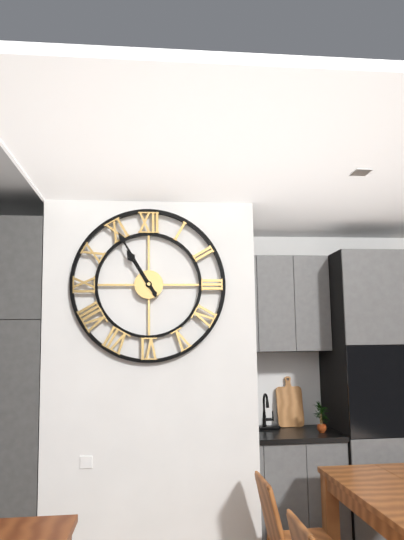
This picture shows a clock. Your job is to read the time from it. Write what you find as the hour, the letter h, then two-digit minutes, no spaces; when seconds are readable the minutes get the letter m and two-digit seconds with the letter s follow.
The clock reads 10h55
